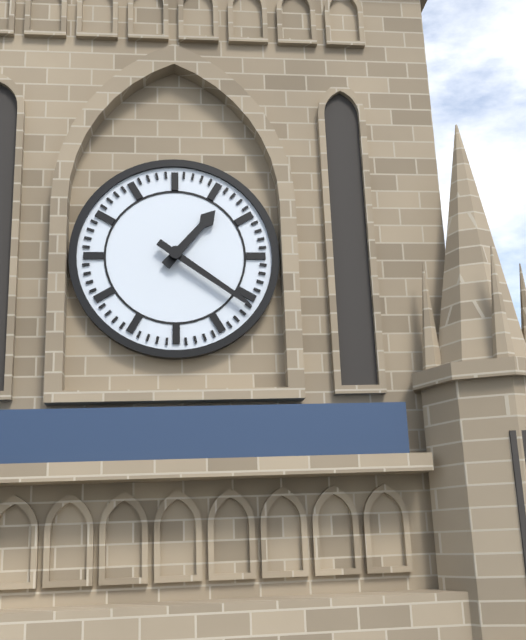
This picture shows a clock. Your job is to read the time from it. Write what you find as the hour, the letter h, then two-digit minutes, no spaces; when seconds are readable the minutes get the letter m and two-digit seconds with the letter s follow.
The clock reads 1h21
